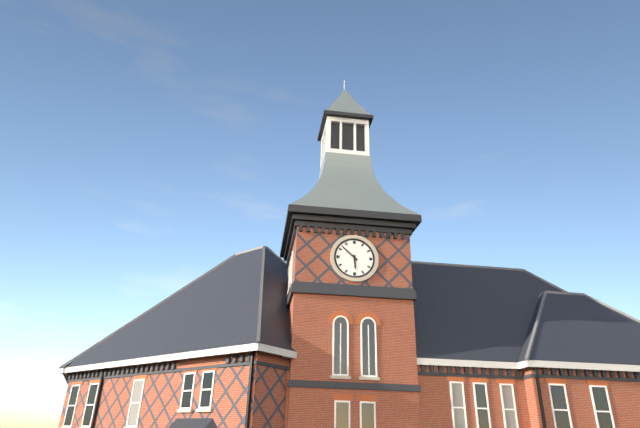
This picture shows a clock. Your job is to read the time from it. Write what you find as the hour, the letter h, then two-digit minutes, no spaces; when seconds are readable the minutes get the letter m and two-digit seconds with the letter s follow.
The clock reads 5h52
